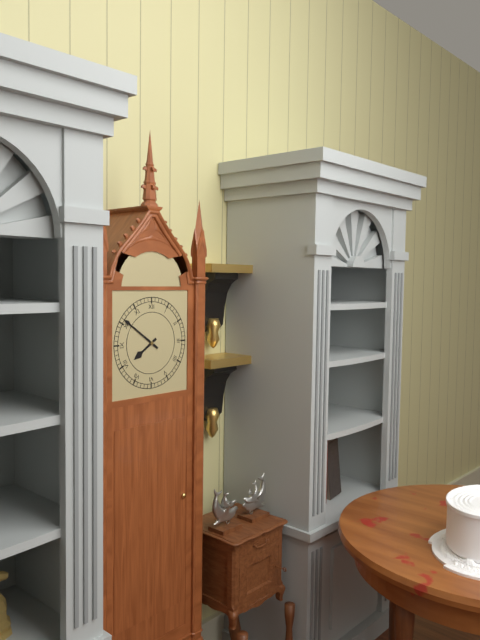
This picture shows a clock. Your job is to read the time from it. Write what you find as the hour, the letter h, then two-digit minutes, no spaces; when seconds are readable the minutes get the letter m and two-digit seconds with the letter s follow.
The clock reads 7h51
